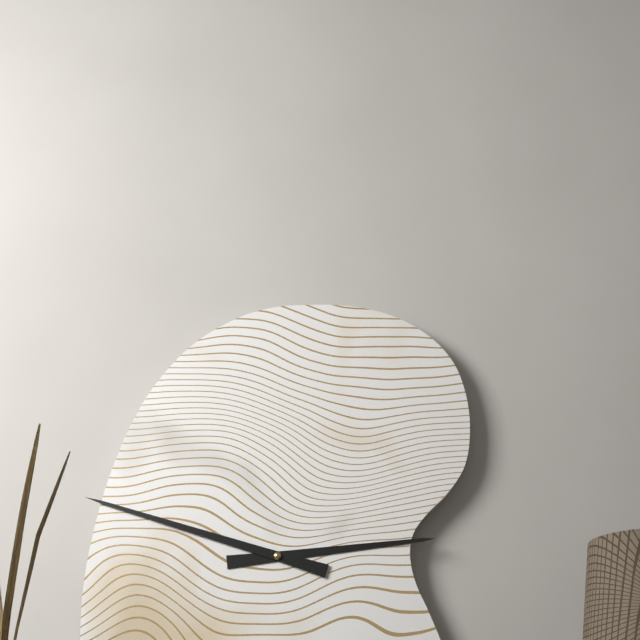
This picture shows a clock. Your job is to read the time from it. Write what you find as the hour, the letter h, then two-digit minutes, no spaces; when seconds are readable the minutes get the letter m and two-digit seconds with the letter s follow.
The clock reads 2h48
